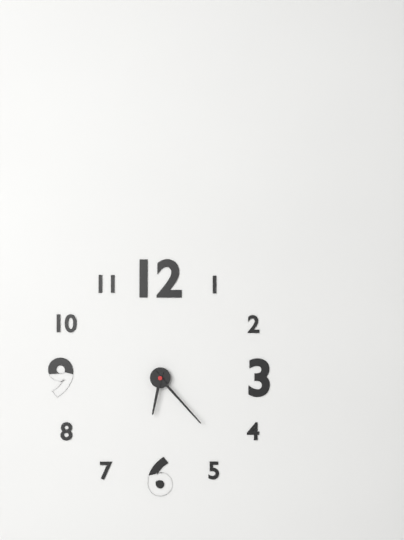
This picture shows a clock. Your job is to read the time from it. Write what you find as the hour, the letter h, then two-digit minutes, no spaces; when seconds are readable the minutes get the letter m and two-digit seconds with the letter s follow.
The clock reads 6h23
